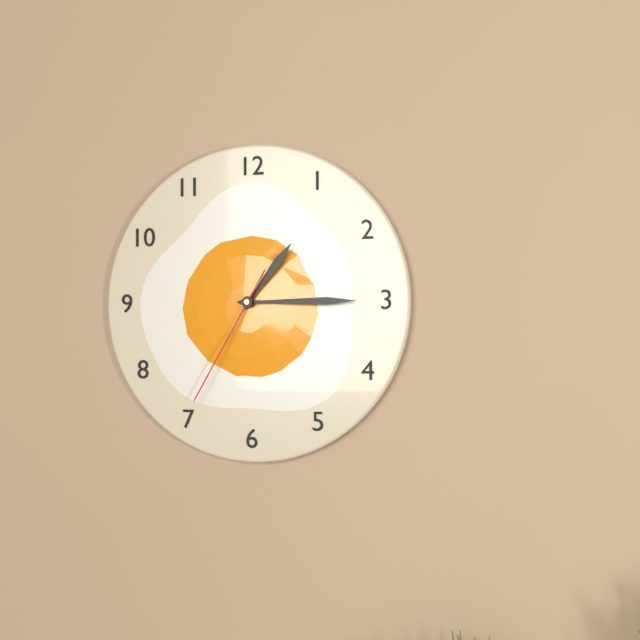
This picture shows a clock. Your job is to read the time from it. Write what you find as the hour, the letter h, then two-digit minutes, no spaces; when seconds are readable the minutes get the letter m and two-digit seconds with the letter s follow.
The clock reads 1h15m35s
